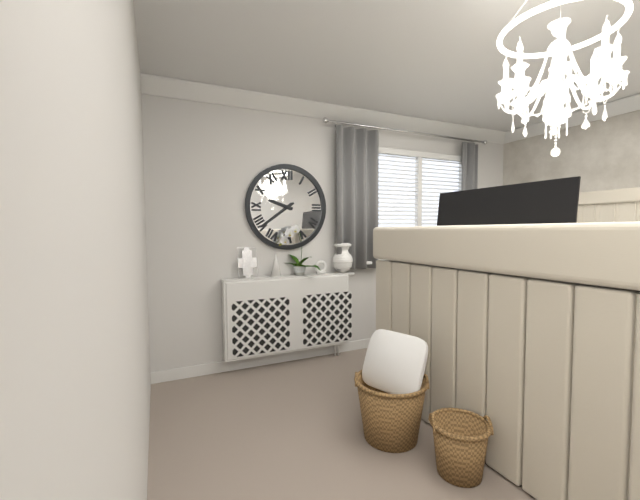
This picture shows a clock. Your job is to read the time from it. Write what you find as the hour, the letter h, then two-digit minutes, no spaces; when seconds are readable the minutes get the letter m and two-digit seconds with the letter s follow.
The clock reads 9h39
